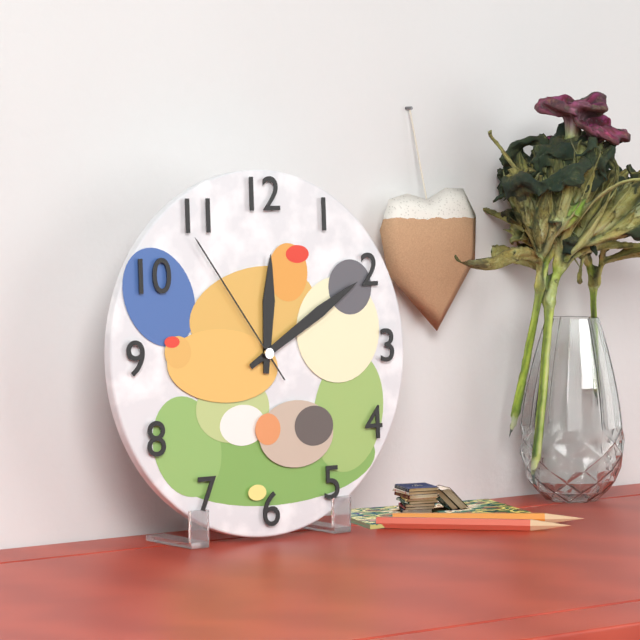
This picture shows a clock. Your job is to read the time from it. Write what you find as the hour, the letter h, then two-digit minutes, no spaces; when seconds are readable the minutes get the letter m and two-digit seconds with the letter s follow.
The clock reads 12h10m54s
